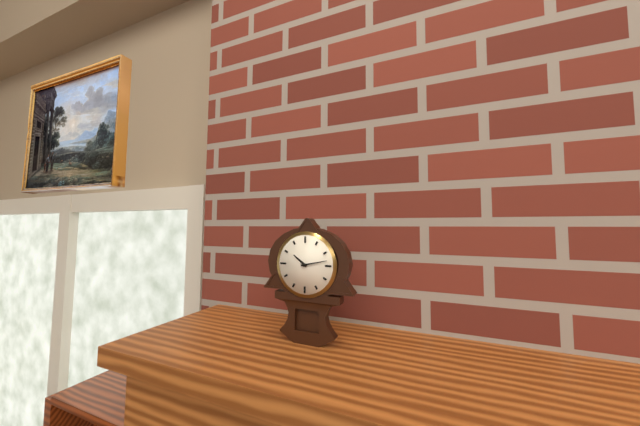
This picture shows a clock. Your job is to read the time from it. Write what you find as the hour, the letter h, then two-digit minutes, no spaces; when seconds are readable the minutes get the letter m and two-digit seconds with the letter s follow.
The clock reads 10h13
